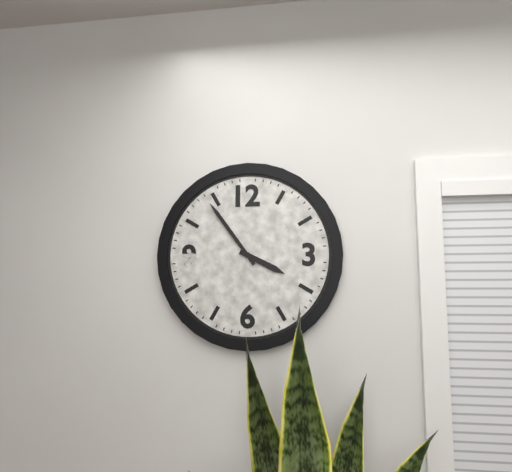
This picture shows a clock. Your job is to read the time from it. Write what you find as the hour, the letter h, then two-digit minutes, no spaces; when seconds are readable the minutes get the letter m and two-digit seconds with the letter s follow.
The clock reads 3h54
